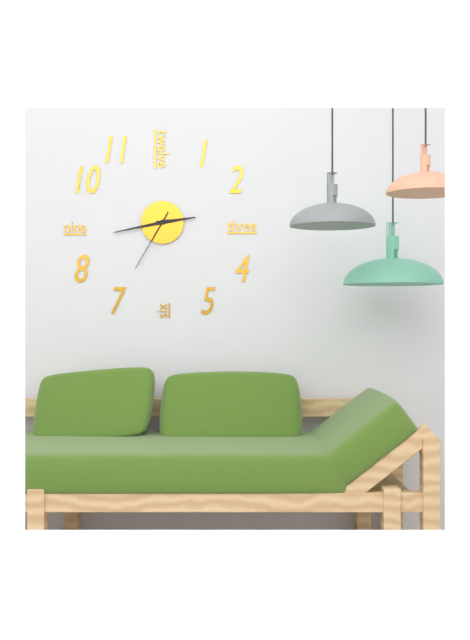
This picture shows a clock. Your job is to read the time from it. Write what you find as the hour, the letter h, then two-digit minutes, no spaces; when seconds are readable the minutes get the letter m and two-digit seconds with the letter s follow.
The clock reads 2h43m35s
